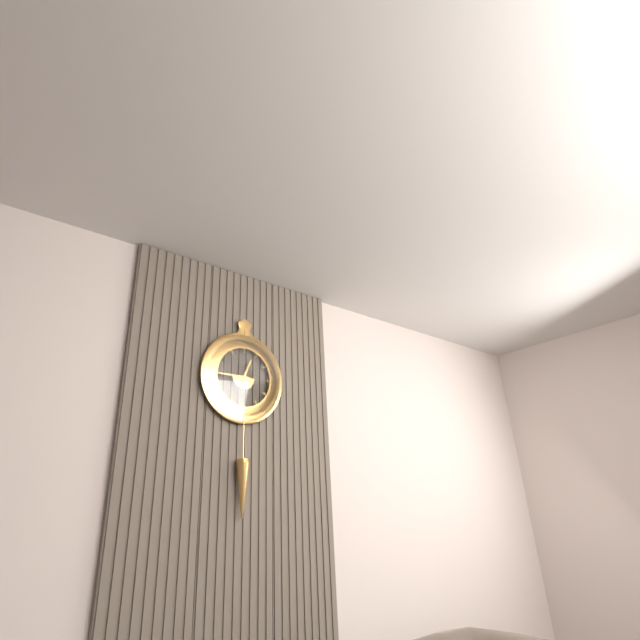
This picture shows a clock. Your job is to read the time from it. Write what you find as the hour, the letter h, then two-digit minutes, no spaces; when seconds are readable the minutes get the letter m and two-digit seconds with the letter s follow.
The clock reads 12h45
